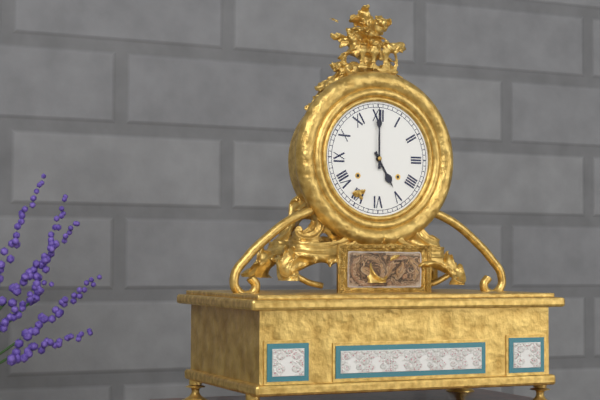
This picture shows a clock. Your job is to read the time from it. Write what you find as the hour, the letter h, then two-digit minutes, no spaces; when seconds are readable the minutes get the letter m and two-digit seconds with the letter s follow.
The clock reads 5h00
